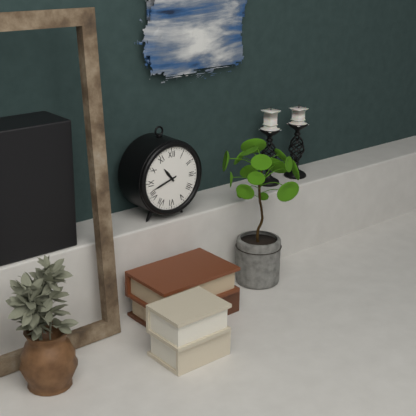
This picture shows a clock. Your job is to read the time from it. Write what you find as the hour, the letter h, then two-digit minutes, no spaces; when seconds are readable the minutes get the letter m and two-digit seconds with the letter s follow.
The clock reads 10h42
